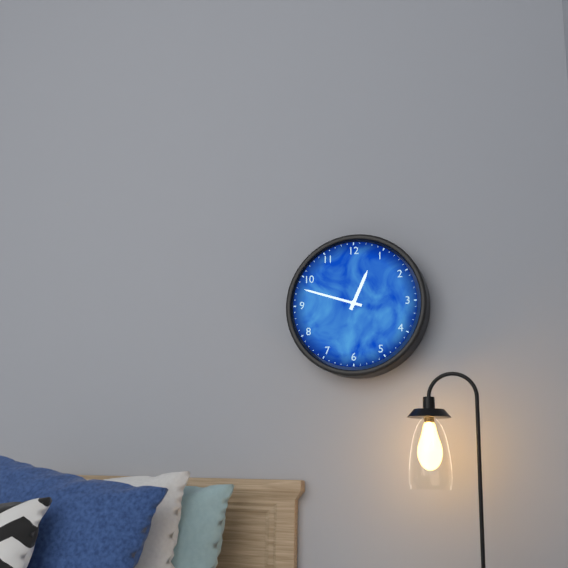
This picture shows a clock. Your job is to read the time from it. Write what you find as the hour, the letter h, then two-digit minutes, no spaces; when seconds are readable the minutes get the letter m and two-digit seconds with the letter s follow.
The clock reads 12h48
